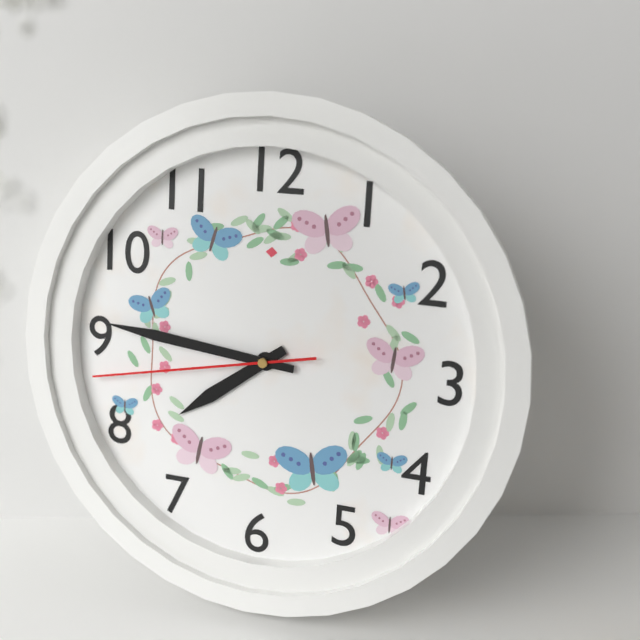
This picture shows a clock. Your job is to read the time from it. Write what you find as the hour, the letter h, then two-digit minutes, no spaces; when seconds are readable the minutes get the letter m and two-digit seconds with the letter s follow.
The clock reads 7h46m43s
